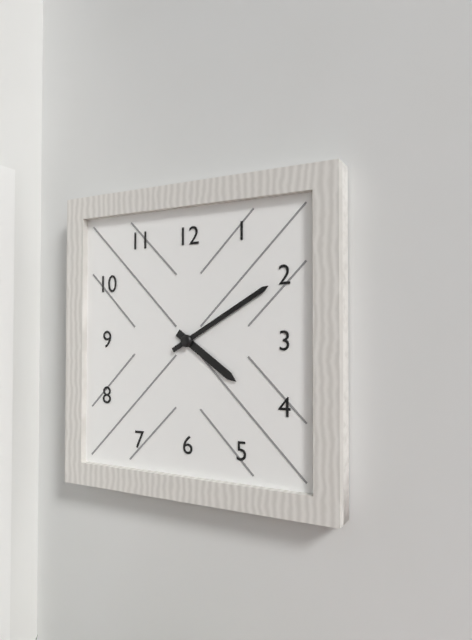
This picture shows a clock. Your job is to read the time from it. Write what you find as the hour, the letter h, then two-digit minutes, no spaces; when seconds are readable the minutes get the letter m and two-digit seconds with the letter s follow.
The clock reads 4h10
